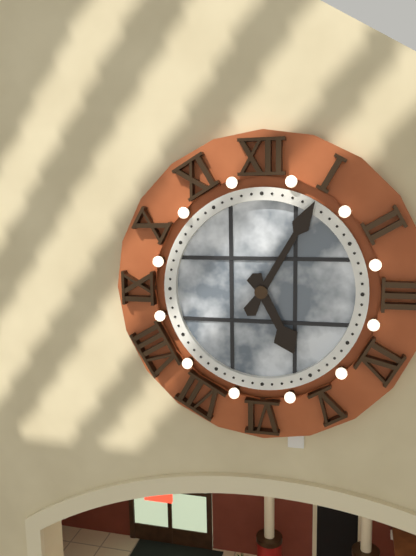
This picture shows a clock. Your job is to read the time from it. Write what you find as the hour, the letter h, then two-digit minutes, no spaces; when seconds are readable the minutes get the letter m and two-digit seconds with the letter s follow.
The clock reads 5h05
